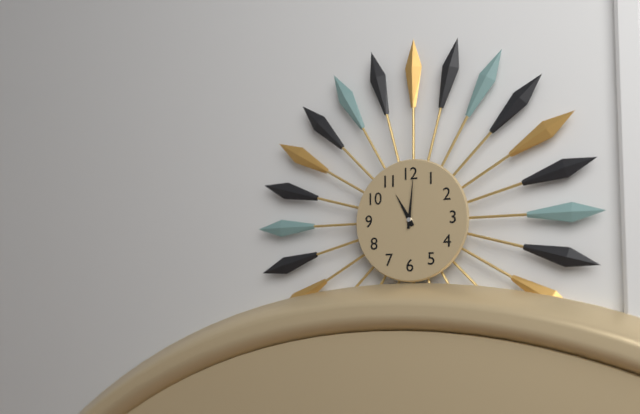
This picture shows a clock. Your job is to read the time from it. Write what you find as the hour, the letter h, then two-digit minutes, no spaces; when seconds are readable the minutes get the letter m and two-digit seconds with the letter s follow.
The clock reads 11h01
